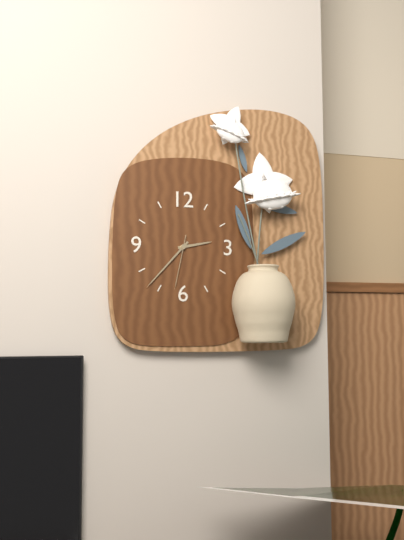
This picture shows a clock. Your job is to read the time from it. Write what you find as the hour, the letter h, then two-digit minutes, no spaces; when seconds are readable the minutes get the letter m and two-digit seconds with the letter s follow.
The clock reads 2h37m32s
